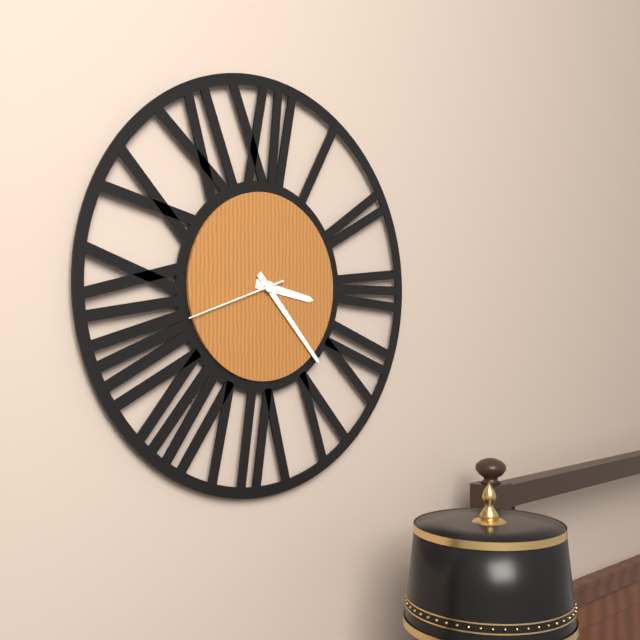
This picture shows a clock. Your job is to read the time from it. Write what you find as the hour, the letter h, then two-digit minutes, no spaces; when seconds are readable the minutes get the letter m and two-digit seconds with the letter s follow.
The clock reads 3h23m42s
